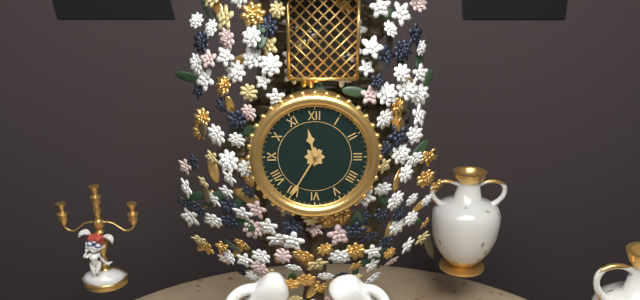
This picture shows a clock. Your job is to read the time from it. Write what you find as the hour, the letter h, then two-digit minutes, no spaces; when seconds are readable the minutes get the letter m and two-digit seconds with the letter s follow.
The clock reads 11h35
